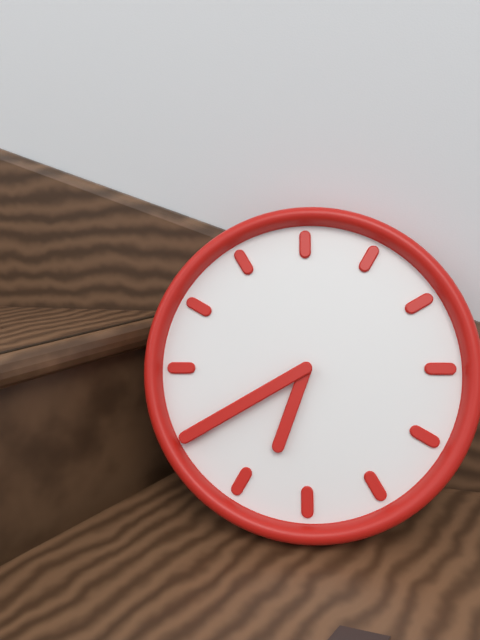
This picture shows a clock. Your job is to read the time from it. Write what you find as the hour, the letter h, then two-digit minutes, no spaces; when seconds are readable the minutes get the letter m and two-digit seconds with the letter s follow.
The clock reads 6h40
